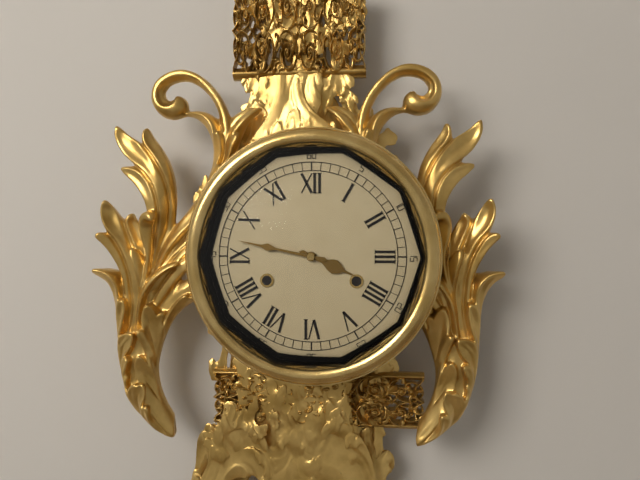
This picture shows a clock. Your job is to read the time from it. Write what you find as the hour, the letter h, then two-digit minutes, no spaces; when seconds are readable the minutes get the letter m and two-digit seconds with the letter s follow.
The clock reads 3h47
